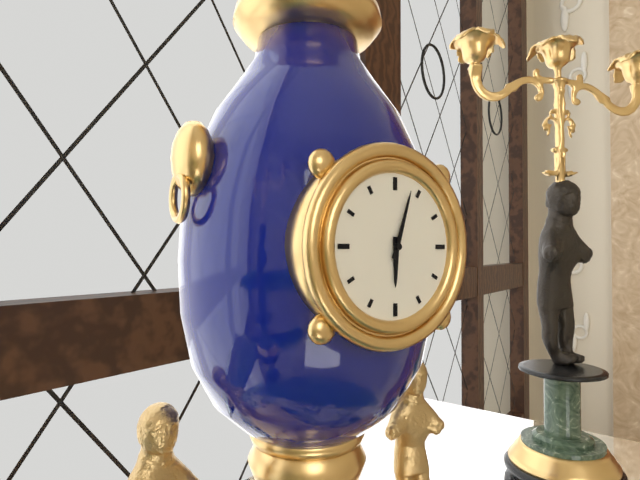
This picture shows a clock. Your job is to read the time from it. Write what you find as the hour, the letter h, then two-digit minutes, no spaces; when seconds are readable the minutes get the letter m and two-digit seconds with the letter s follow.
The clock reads 6h03
